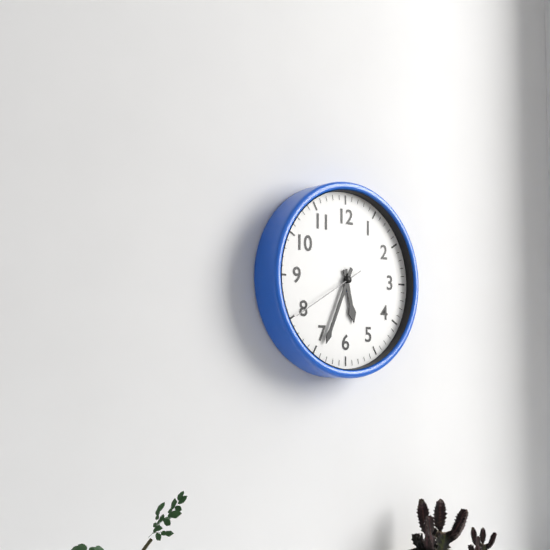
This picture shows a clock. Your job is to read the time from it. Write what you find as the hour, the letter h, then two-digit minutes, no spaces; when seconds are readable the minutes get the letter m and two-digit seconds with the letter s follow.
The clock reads 5h34m40s
